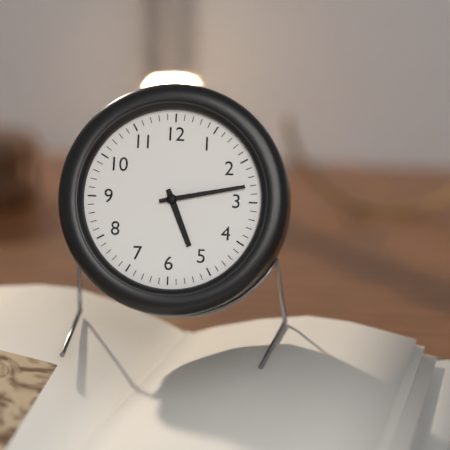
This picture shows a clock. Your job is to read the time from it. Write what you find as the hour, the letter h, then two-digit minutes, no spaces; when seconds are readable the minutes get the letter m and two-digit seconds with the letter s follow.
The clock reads 5h13
